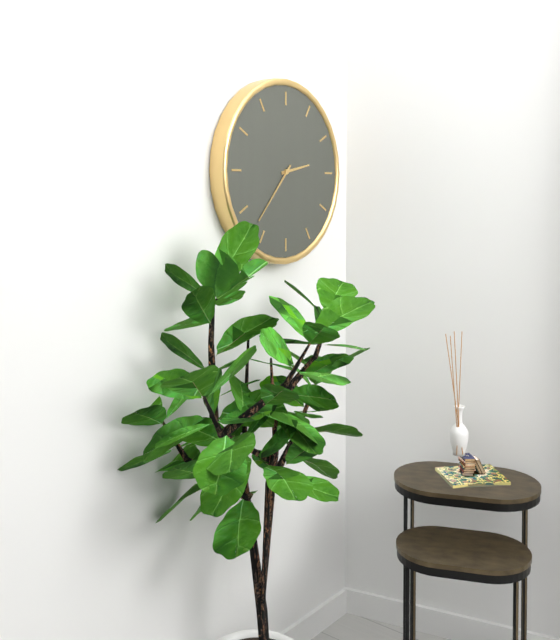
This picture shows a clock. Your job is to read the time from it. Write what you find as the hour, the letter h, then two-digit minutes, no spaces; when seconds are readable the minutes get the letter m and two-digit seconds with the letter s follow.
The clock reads 2h37
